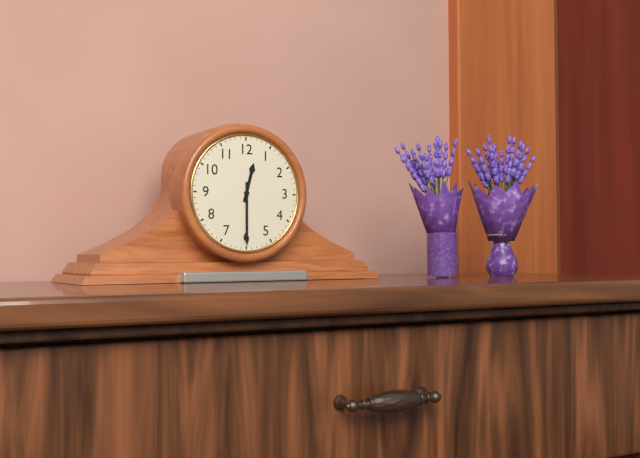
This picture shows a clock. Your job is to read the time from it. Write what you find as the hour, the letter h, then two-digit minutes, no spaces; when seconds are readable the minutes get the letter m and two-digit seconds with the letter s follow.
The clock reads 12h30
